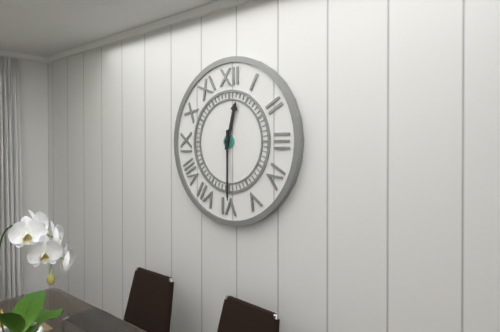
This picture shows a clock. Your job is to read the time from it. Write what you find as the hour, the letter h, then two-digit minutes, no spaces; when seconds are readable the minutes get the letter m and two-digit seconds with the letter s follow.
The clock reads 12h30
